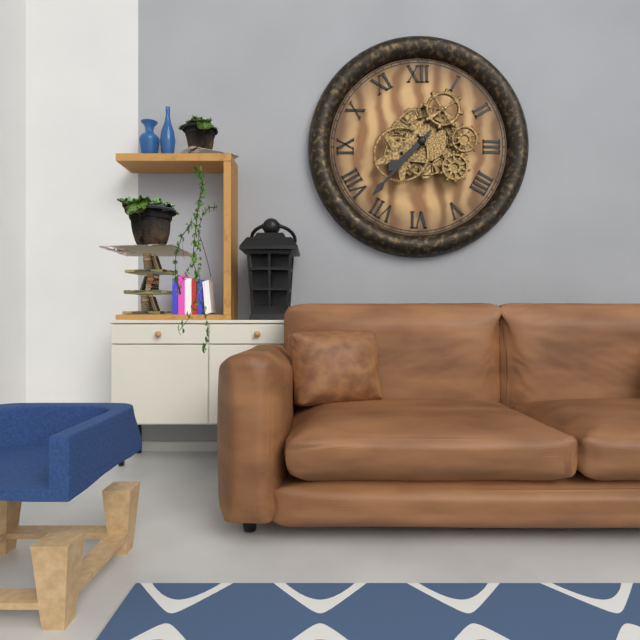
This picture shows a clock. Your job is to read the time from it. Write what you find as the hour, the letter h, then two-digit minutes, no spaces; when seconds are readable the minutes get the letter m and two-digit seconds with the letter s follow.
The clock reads 7h37
